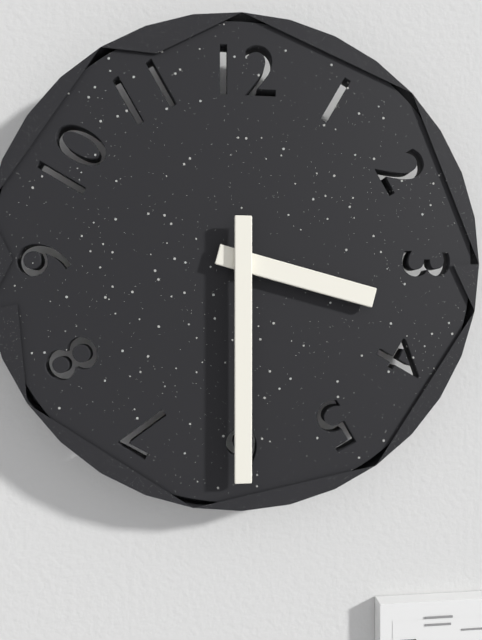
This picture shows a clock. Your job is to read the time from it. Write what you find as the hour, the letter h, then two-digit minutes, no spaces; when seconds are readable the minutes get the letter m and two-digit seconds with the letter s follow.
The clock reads 3h30
